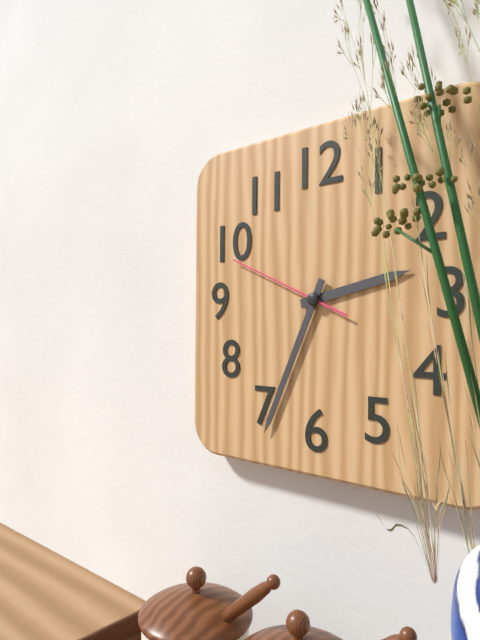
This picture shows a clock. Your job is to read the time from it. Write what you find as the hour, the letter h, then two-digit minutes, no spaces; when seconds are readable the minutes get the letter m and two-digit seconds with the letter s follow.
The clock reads 2h34m49s
